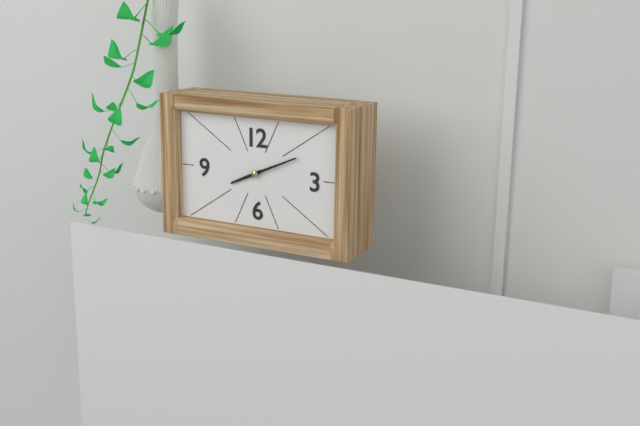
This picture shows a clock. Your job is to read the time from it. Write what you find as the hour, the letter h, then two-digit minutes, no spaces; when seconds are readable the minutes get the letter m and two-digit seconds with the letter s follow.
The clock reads 8h11
